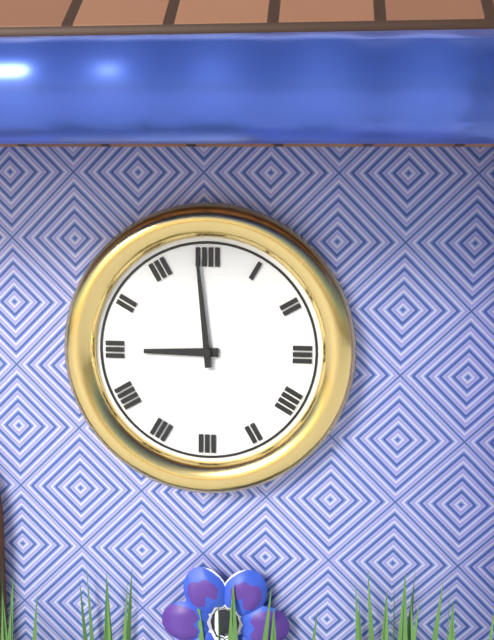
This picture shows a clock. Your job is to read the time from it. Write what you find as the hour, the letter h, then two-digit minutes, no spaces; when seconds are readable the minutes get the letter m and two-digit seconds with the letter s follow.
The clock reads 8h59
